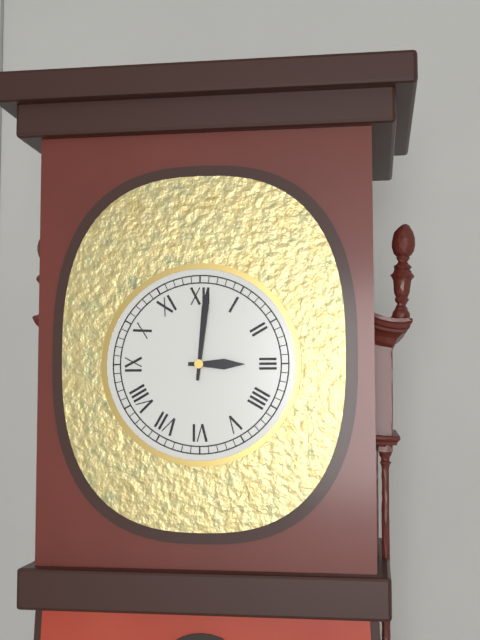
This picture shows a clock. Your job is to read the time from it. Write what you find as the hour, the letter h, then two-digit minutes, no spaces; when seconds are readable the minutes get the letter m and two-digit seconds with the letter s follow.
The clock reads 3h01
